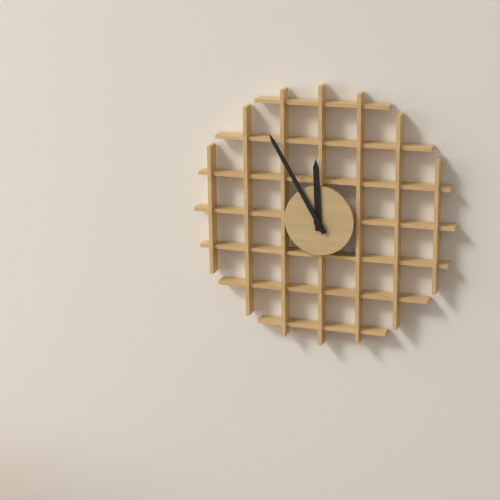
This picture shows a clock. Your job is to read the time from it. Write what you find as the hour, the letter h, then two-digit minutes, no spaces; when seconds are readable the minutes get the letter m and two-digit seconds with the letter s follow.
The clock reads 11h55
